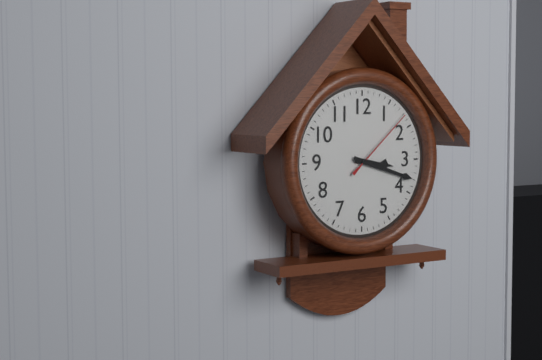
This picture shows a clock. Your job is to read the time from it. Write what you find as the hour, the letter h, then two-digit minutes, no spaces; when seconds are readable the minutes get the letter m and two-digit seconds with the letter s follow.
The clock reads 3h18m08s
